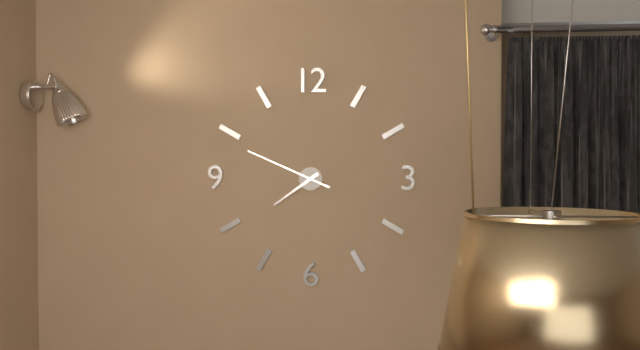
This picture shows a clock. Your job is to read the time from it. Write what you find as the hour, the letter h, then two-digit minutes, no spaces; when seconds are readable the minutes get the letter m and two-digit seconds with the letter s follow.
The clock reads 7h49
